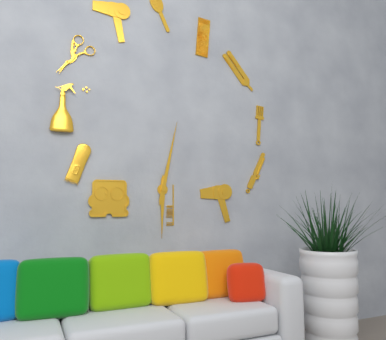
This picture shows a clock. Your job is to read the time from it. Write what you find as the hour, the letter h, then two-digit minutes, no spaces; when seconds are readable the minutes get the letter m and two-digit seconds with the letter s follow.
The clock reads 6h02
